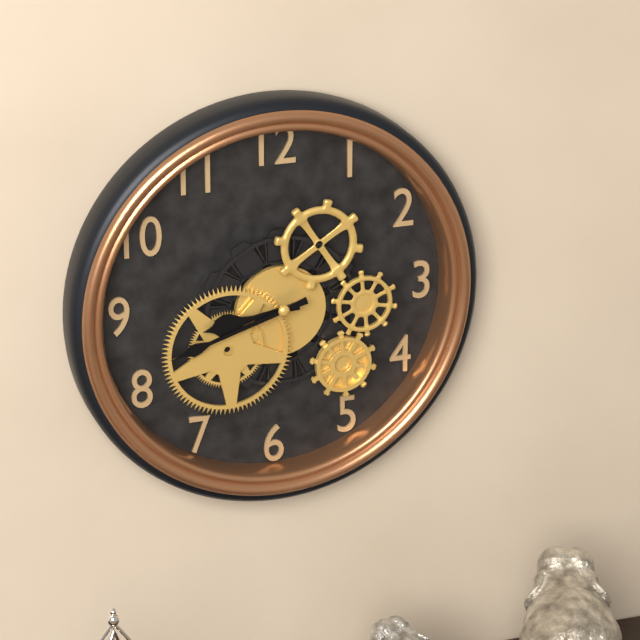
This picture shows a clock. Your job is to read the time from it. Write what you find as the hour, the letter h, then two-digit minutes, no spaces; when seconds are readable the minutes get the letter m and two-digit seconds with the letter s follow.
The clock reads 8h42
